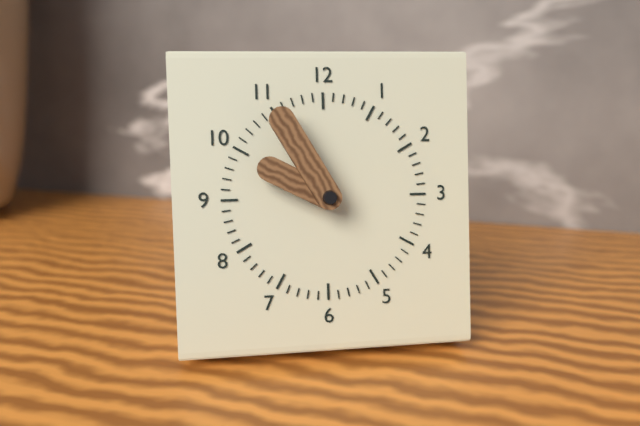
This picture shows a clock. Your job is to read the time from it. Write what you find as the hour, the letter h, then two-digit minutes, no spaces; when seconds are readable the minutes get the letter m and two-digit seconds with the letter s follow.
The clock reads 9h55
